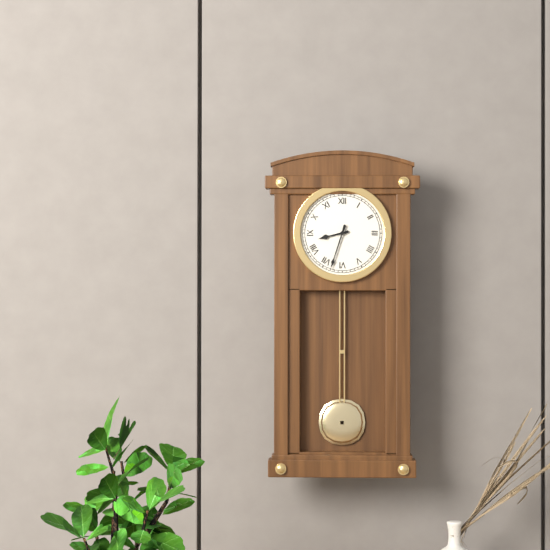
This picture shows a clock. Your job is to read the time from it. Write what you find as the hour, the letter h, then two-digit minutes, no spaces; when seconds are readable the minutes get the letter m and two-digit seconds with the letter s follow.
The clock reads 8h33
